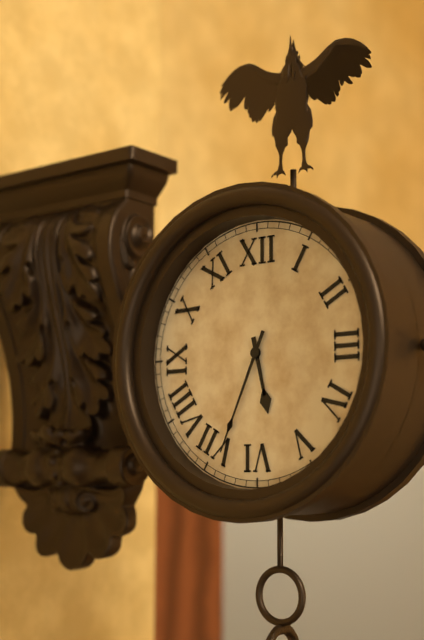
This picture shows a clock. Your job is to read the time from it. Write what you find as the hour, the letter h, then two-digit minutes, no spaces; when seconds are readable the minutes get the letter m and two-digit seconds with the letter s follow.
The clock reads 5h34
